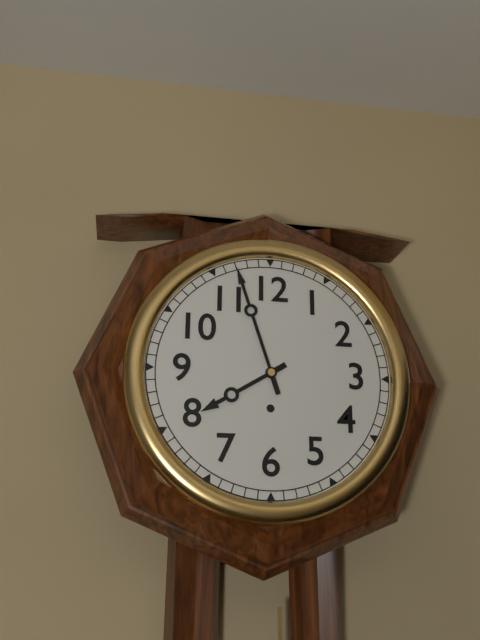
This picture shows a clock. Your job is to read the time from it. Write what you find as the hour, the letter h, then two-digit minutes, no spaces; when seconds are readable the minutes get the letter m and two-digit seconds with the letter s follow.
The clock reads 7h57
